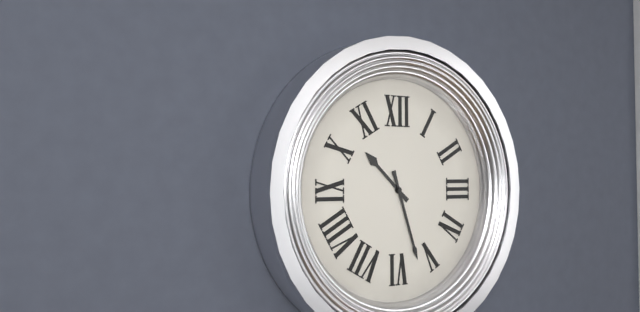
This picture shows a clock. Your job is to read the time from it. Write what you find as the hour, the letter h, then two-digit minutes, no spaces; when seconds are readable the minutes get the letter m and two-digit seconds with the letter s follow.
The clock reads 10h27
